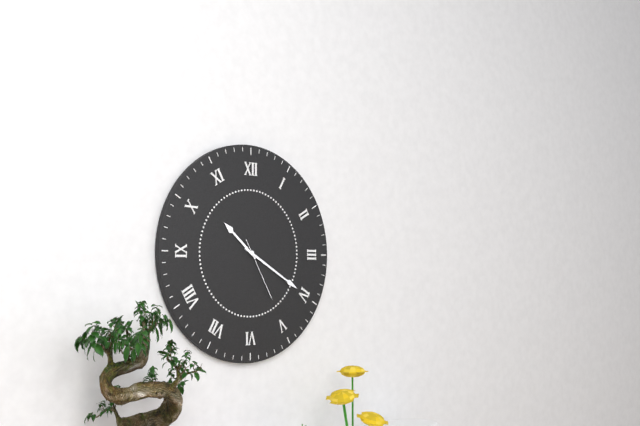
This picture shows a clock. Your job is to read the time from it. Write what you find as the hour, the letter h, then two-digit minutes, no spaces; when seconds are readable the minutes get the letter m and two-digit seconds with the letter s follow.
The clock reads 10h20m25s
